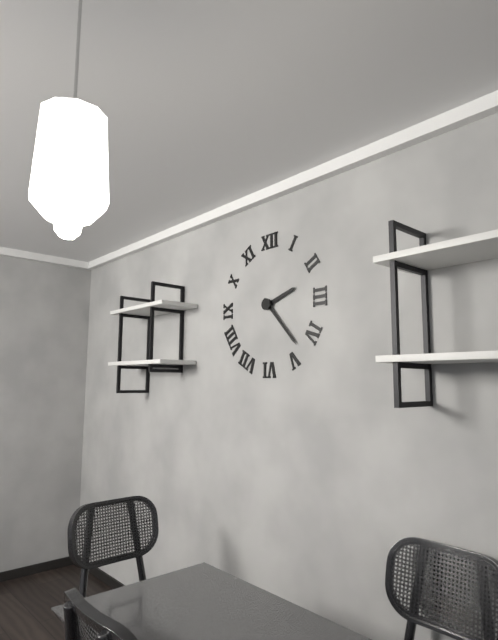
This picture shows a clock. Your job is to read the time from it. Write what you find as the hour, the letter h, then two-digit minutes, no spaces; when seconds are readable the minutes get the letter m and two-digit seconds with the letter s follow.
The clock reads 2h23
